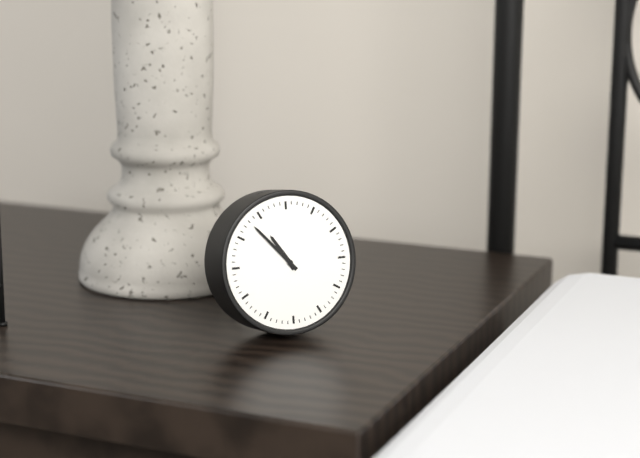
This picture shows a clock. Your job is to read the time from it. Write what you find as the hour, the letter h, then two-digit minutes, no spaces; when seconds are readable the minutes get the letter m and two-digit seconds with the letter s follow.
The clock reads 10h53
